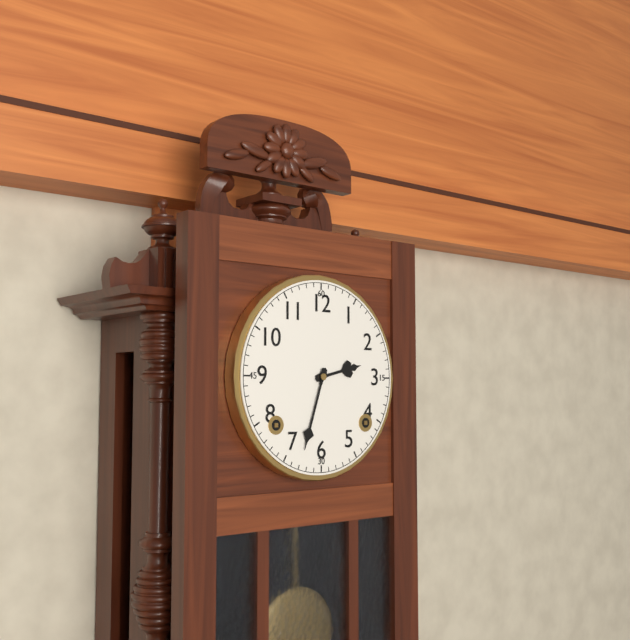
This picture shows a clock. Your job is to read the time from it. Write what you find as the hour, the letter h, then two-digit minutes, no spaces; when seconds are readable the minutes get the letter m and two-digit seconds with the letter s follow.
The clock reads 2h33
